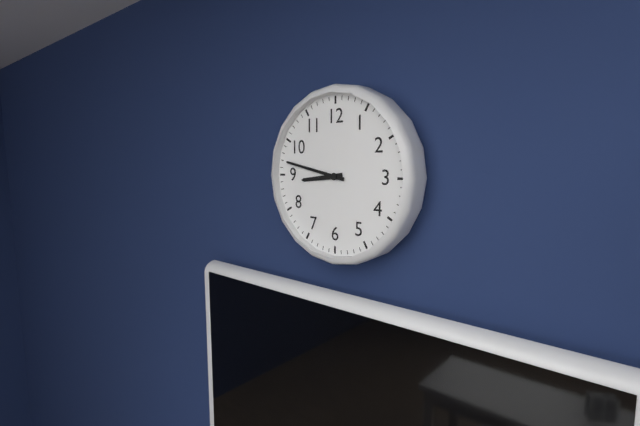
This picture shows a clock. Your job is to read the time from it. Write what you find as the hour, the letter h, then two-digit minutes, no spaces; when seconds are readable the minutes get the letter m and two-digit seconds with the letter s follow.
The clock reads 8h47
